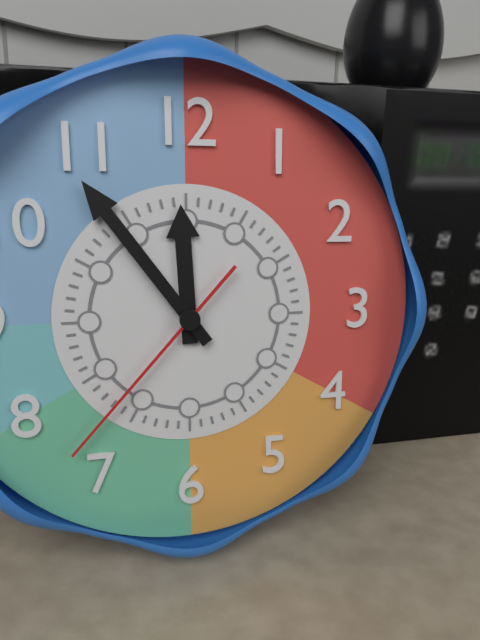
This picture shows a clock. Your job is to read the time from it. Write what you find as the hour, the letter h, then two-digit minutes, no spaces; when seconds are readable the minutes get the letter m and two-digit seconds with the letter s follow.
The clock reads 11h54m37s
